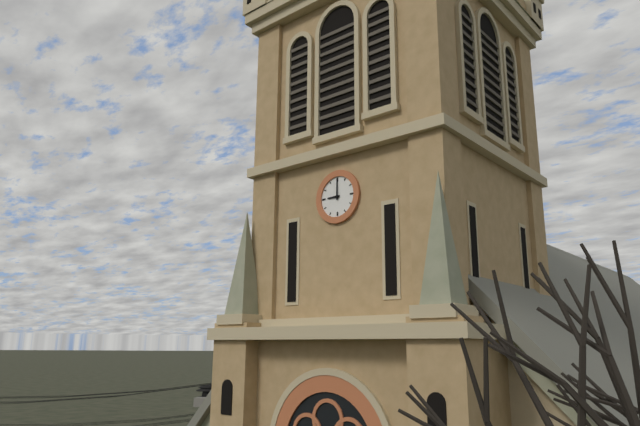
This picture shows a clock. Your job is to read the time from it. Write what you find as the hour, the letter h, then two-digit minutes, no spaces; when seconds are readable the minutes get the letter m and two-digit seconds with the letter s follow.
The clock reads 9h00
